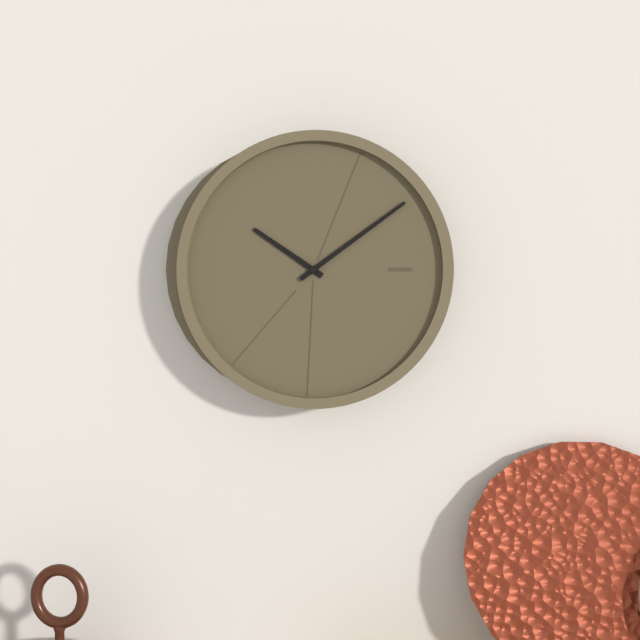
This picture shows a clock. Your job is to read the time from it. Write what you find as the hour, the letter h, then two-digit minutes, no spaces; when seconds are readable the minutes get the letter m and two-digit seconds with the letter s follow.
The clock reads 10h09
